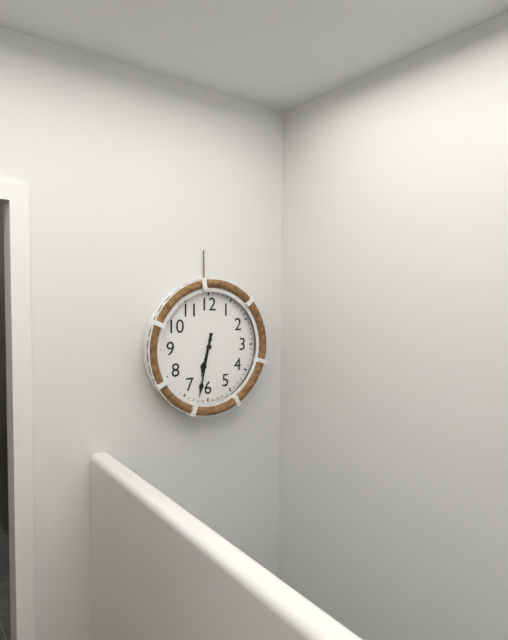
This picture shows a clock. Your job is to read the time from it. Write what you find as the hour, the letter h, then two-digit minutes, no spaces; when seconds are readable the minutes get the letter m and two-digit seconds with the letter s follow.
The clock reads 6h32
